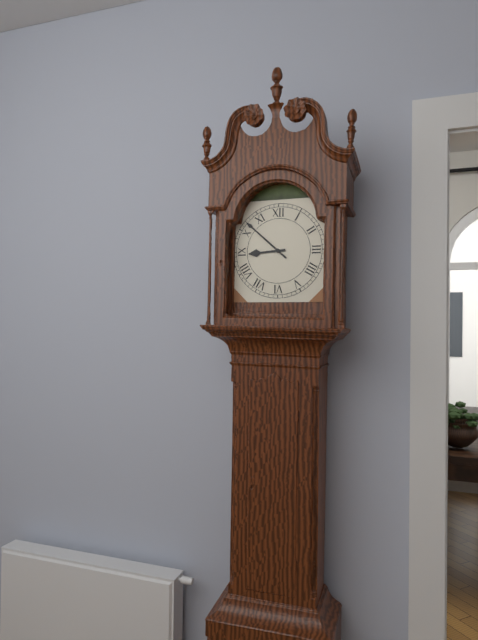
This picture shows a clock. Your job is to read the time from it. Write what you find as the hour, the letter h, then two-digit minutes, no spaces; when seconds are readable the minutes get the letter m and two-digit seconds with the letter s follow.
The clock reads 8h52
